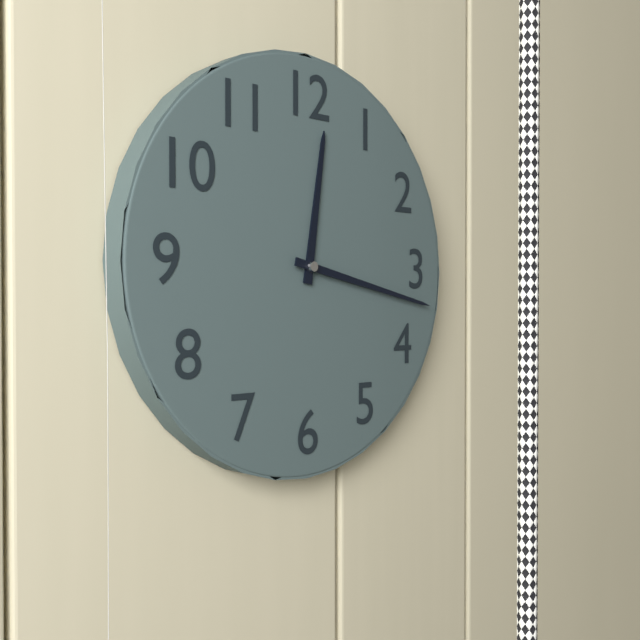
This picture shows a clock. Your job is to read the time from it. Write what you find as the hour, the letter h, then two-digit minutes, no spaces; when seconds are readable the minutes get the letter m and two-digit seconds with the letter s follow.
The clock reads 12h17
